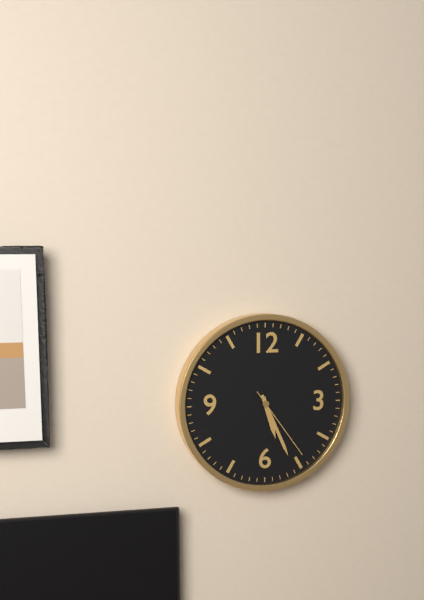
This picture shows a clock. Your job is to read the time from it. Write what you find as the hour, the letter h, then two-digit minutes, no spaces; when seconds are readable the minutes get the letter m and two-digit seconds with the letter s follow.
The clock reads 5h26m24s
